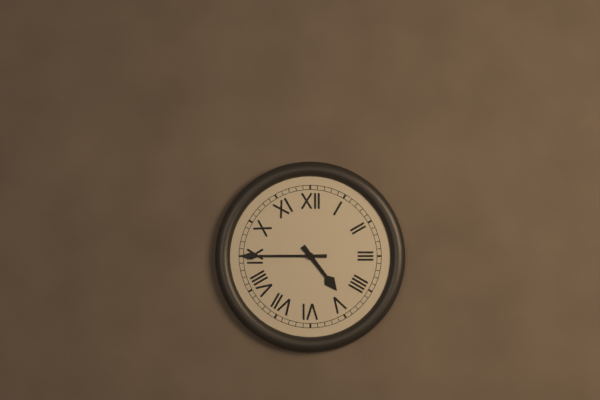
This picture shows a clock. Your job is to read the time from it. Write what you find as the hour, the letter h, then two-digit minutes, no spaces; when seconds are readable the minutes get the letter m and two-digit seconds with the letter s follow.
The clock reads 4h45
